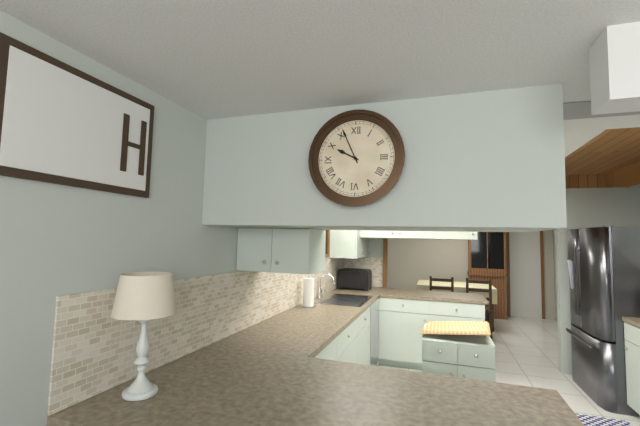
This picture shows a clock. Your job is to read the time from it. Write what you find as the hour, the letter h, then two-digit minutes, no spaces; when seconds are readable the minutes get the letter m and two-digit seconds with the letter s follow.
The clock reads 9h56
